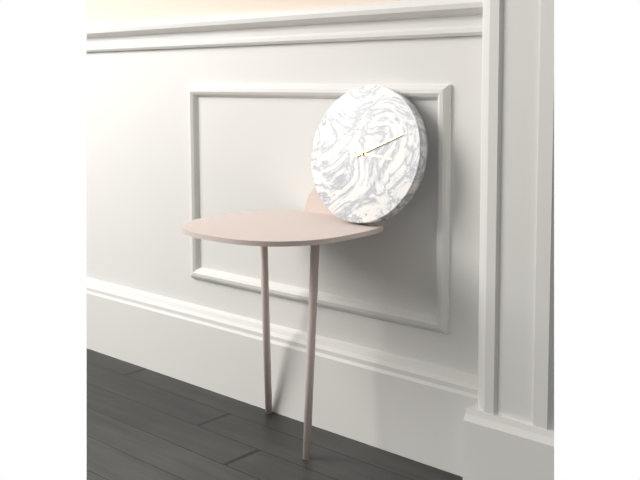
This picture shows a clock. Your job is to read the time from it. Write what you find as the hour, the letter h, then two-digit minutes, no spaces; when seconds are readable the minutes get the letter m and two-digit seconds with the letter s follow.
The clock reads 3h11
